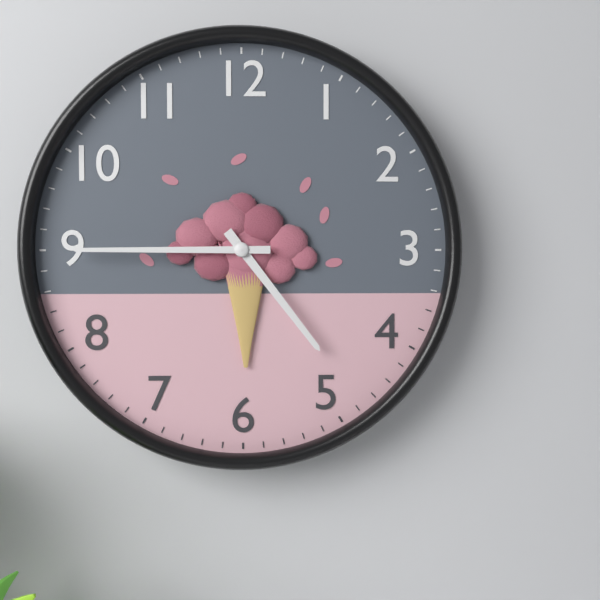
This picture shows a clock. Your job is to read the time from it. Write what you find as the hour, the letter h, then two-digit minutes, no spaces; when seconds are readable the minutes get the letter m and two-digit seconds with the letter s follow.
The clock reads 4h45
